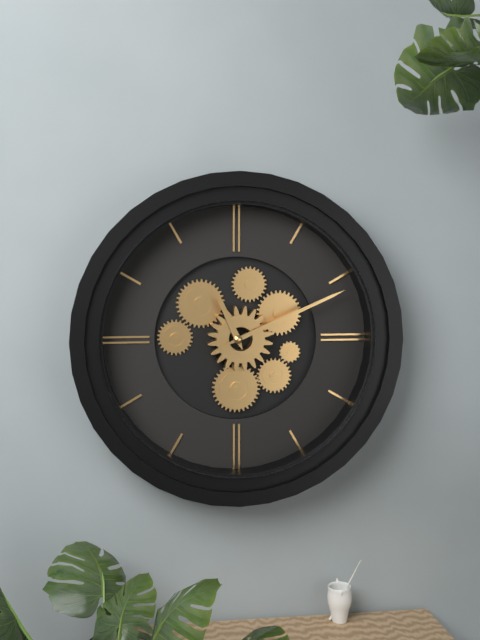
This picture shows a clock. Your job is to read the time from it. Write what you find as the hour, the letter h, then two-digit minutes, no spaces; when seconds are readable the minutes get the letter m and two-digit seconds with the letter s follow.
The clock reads 11h11
